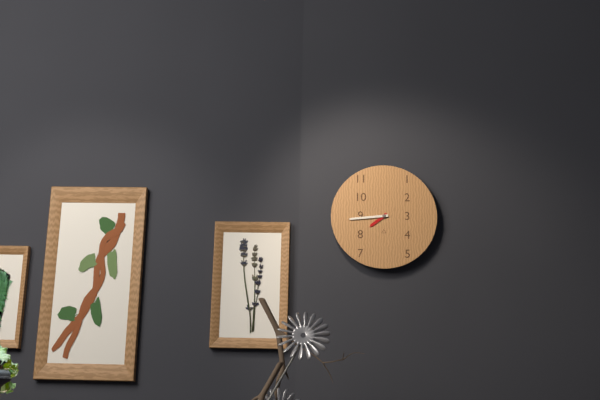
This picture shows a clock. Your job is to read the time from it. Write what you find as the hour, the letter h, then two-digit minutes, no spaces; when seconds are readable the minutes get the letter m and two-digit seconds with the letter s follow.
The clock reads 7h44
